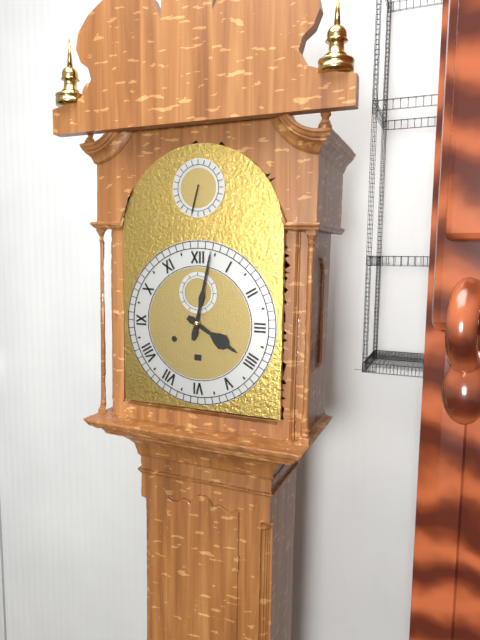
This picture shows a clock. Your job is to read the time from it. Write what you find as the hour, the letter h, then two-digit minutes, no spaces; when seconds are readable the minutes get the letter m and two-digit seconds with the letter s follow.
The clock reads 4h02
